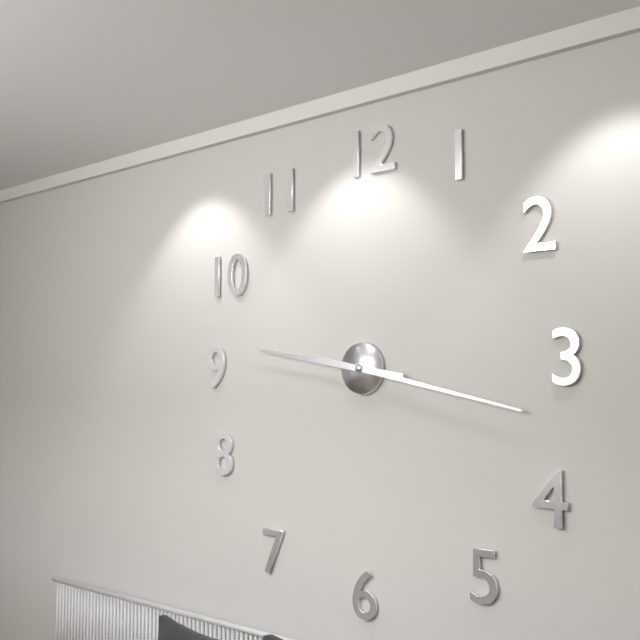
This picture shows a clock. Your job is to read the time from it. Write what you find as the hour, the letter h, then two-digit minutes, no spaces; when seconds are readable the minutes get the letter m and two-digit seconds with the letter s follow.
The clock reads 9h17
